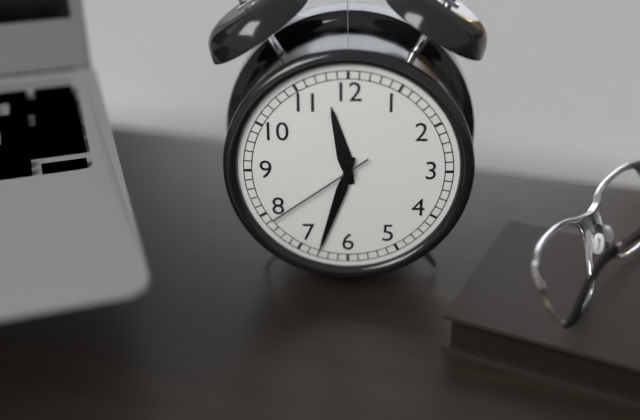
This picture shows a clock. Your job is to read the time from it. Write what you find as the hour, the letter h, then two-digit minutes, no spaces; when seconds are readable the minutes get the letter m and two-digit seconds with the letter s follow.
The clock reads 11h33m39s
